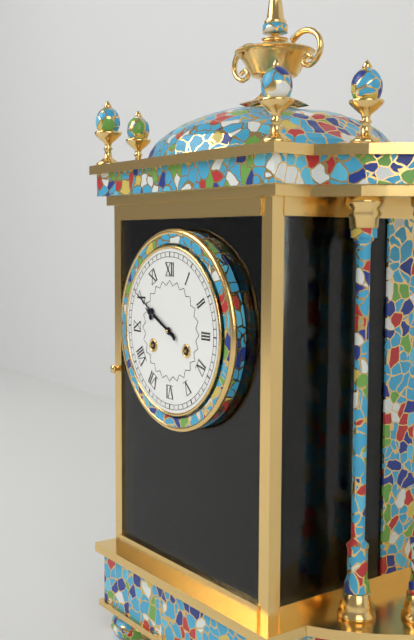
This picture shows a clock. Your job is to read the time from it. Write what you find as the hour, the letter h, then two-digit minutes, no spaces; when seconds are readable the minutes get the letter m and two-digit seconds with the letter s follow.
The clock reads 9h50
